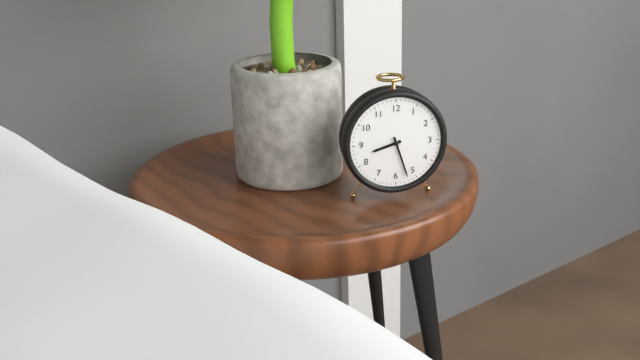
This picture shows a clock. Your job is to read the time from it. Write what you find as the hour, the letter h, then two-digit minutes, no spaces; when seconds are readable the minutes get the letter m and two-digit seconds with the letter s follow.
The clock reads 8h27
